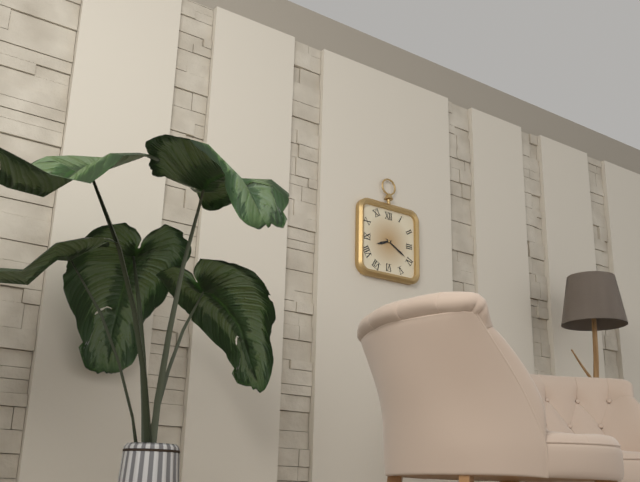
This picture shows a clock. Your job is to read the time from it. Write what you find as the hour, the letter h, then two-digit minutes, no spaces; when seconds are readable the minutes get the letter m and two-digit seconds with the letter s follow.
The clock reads 8h20
